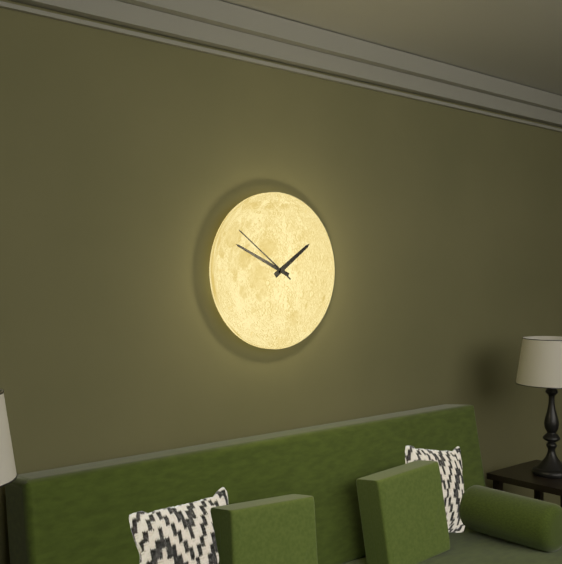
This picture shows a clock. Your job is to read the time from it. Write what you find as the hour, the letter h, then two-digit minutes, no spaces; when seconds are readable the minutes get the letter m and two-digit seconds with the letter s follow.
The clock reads 1h49m51s
